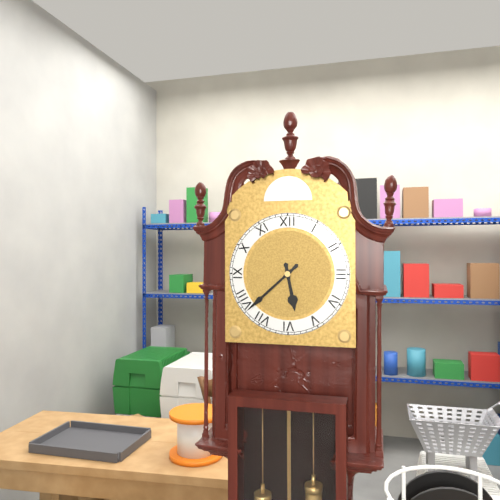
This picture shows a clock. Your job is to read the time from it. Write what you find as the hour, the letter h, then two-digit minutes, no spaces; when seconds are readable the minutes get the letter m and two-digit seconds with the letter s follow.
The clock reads 5h38
